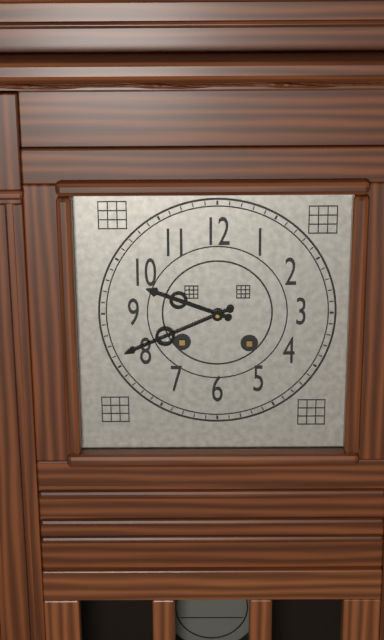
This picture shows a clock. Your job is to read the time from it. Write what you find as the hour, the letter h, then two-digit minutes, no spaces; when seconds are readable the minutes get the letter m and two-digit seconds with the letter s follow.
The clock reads 9h41
